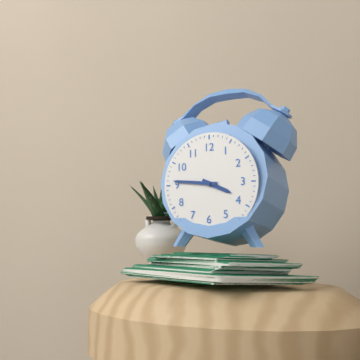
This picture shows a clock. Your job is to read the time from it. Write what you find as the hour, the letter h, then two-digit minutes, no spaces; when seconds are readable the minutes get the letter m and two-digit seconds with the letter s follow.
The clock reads 3h46
